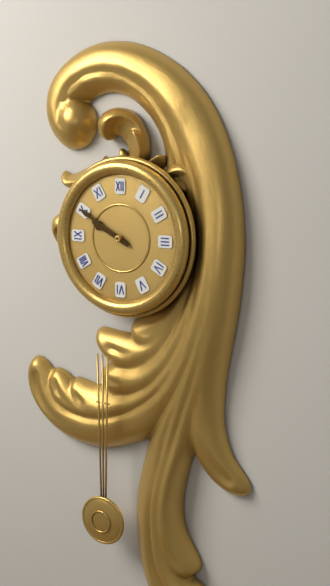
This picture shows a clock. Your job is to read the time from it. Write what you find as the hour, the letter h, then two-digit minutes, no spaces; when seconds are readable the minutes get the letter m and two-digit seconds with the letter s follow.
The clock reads 9h50
